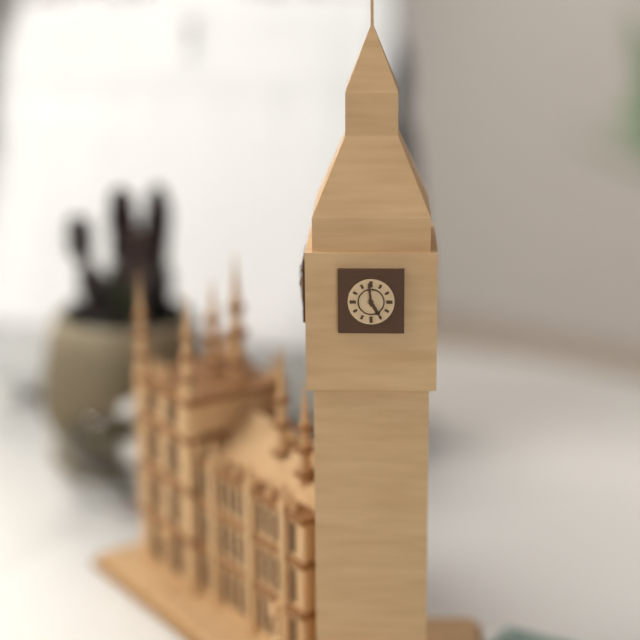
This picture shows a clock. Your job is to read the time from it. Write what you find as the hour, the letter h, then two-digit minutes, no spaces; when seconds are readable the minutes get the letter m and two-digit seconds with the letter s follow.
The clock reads 4h59
